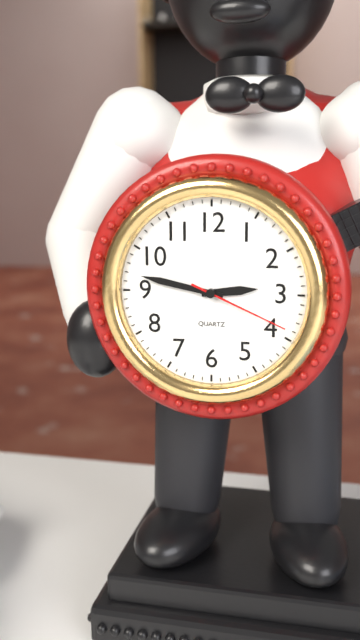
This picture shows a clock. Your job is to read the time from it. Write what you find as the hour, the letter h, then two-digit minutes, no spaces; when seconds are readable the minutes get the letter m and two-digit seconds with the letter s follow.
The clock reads 2h47m19s
